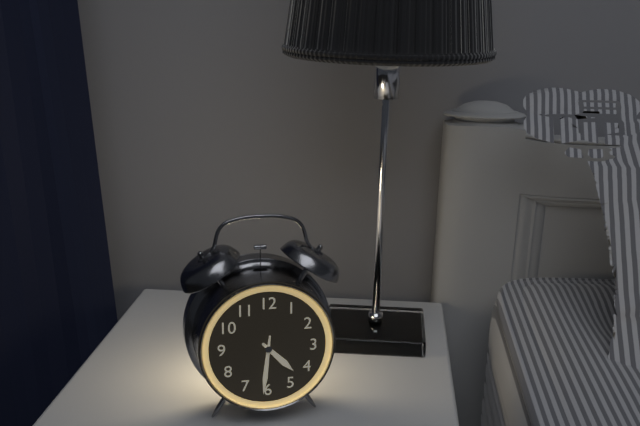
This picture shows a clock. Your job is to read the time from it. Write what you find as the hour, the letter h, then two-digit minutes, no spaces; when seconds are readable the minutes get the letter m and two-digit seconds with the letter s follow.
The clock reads 4h31
